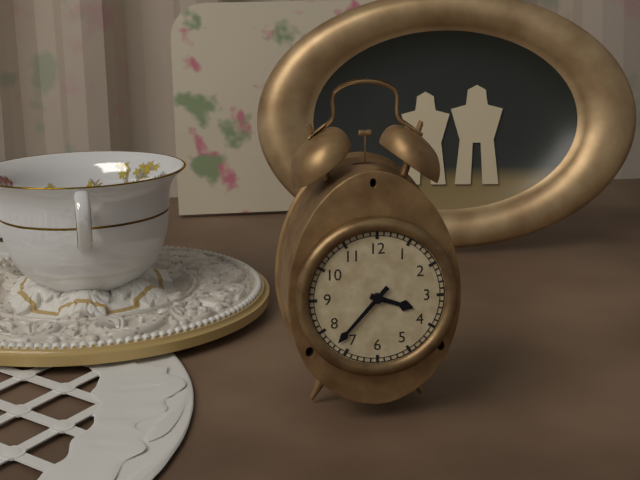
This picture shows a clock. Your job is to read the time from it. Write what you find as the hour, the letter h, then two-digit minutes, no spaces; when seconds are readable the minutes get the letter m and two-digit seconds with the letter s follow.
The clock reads 3h37
